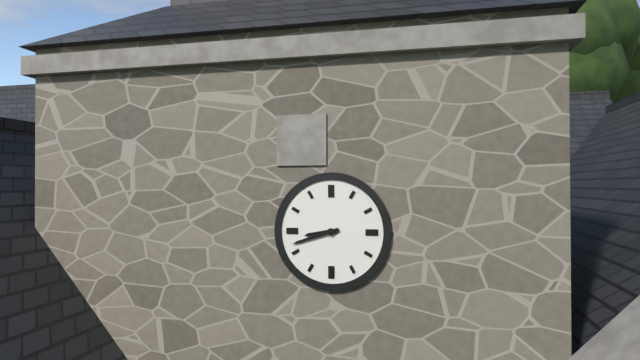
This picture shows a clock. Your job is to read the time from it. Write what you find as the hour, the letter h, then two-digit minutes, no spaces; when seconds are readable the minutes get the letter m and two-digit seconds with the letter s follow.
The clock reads 8h42
